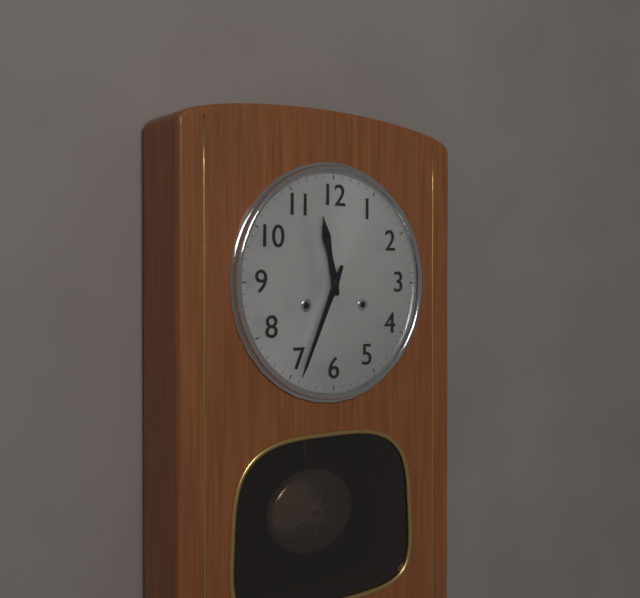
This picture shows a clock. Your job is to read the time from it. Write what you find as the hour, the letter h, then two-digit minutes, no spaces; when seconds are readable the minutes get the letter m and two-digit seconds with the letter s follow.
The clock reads 11h34
